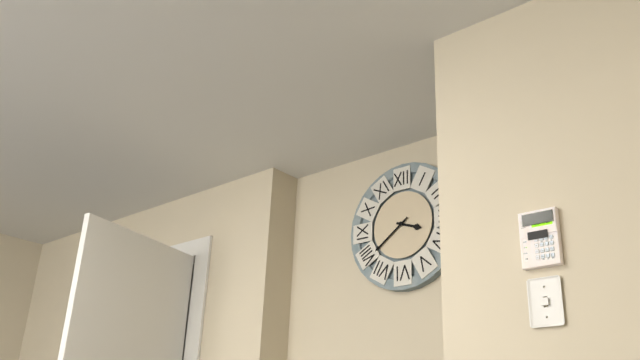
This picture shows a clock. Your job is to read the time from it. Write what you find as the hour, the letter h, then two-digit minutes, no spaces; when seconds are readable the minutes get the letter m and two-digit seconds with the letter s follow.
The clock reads 3h39
